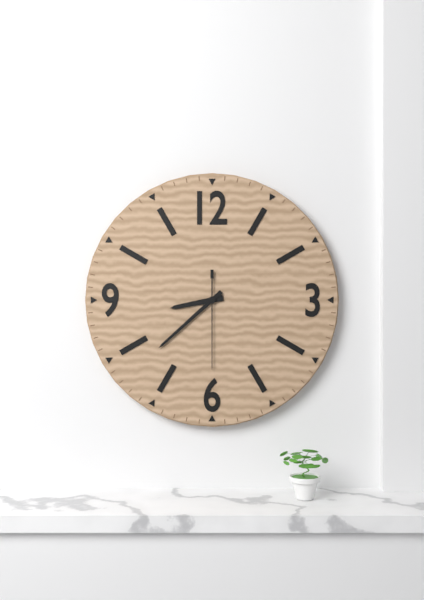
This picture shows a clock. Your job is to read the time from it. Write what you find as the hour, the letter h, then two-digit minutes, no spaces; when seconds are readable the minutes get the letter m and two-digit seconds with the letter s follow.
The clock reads 8h38m30s
